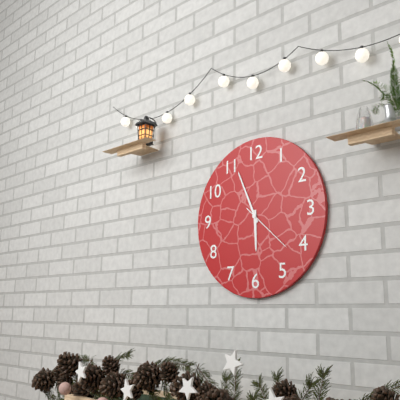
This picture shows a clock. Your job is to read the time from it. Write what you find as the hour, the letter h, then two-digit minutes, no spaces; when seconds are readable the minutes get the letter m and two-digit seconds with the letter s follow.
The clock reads 5h56m22s
